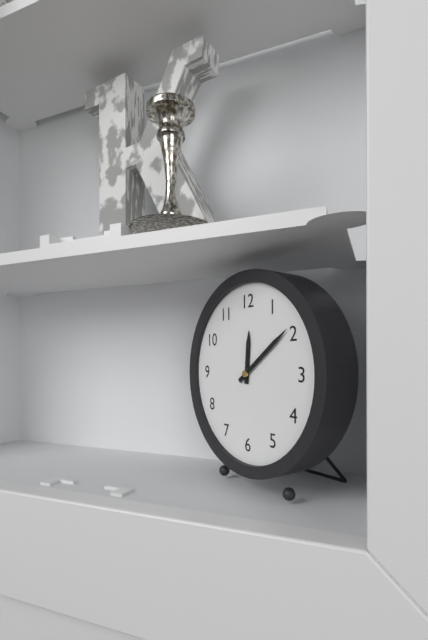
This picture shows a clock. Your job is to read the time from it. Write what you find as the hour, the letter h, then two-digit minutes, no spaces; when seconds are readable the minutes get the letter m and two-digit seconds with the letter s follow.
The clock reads 12h09
